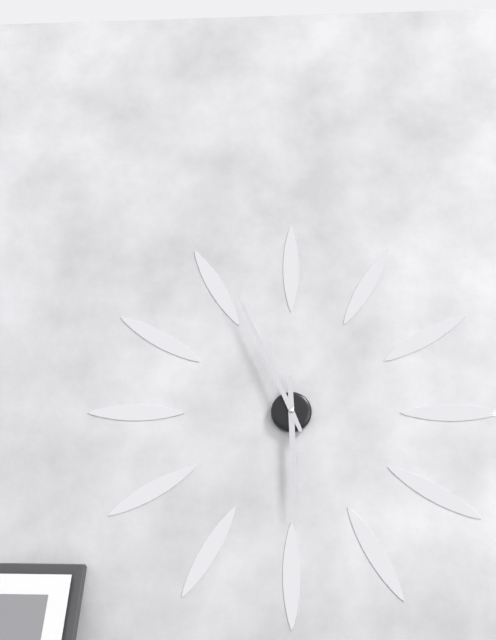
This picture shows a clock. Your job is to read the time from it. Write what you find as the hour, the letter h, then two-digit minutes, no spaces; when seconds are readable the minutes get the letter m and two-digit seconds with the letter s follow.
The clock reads 5h56
